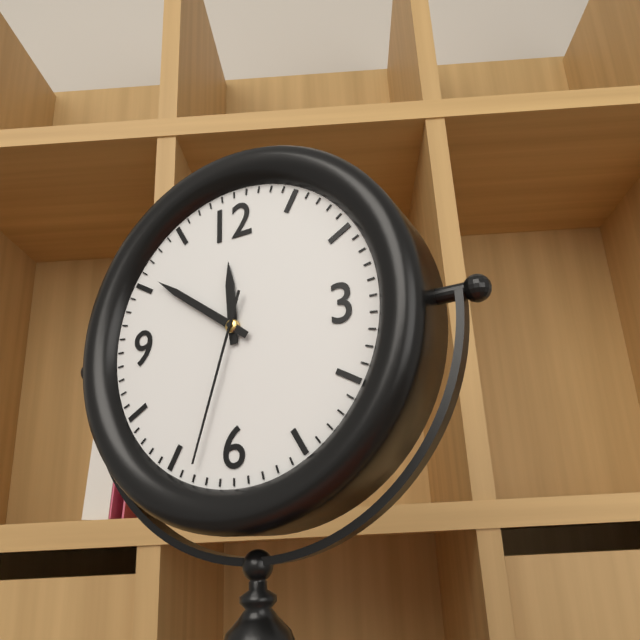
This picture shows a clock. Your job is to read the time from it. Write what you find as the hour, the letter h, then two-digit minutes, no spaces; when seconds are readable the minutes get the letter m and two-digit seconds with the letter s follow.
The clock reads 11h51m33s
